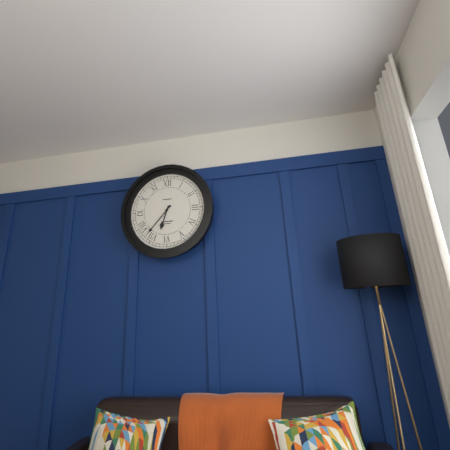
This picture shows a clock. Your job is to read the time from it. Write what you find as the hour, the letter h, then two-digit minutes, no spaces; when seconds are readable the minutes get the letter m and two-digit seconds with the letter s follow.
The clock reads 6h37
